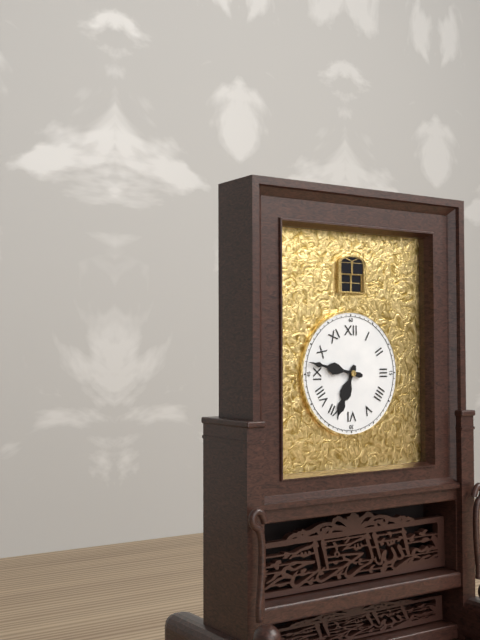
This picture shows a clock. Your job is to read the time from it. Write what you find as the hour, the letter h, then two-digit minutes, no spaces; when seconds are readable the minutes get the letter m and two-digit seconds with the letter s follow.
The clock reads 6h47
